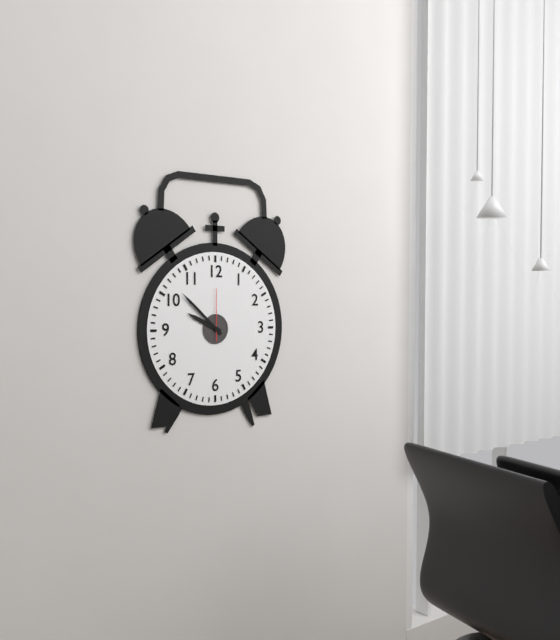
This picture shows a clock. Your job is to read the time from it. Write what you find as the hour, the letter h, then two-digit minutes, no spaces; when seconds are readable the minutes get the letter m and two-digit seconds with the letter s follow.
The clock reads 9h52m00s
